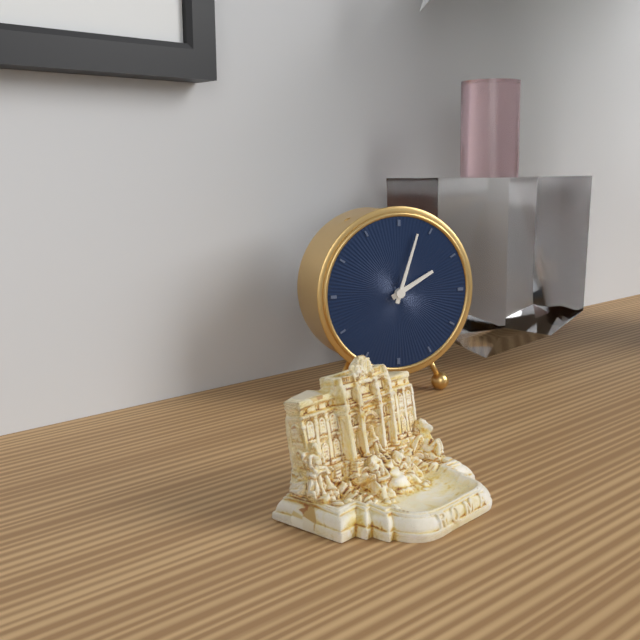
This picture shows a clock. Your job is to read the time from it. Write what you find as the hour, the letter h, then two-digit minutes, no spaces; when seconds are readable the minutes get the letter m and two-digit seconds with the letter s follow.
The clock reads 2h03
